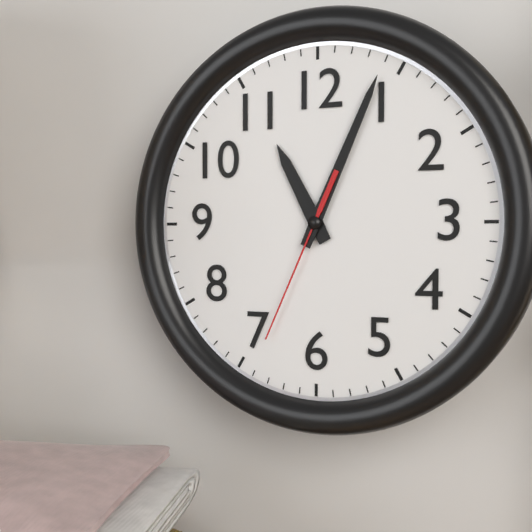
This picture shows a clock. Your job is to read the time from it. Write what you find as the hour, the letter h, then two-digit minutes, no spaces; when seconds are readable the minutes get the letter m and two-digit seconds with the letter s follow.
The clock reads 11h04m34s
